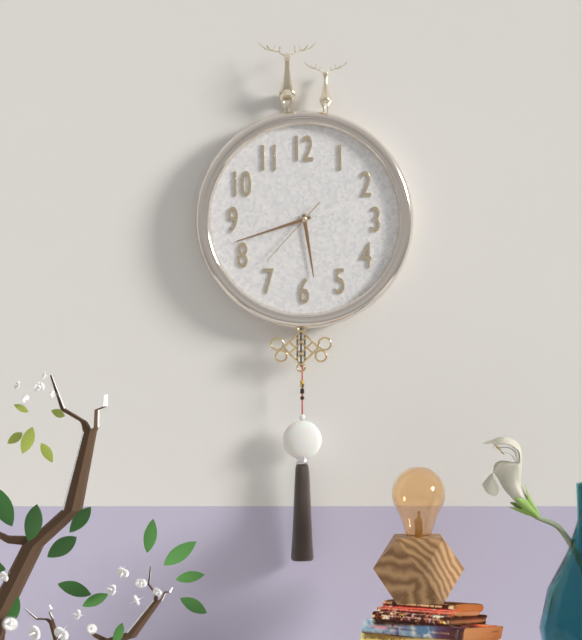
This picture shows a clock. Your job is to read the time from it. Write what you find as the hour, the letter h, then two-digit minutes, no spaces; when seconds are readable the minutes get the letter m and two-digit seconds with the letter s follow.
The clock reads 5h42m37s
